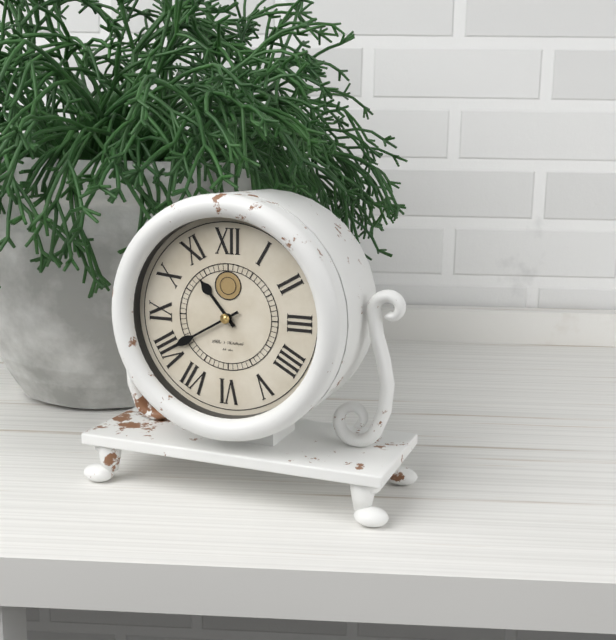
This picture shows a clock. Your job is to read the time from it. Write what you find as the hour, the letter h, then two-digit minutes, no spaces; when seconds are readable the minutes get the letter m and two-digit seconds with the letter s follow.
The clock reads 10h40
